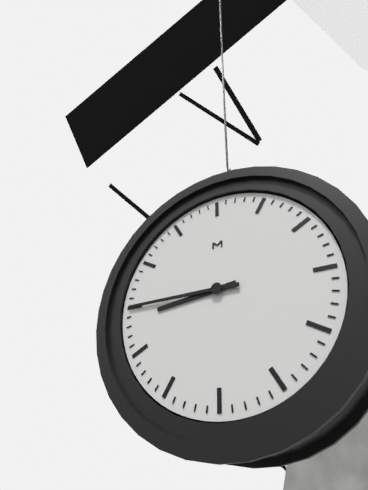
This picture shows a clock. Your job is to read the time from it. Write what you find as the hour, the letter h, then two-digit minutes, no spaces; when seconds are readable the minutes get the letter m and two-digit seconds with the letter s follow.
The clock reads 8h45
